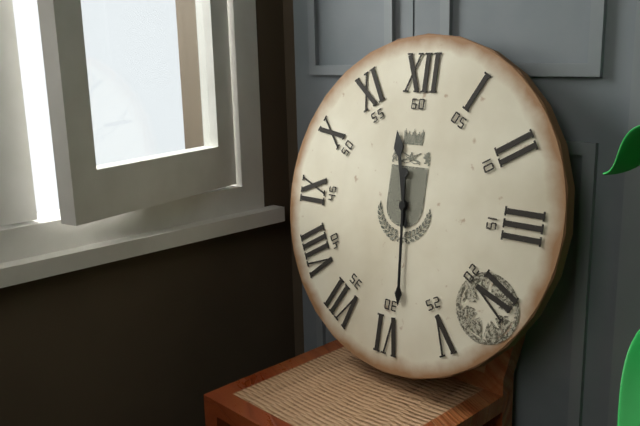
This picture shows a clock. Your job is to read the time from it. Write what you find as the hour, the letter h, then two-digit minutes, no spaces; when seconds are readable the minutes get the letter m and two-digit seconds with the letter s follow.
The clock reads 11h29
